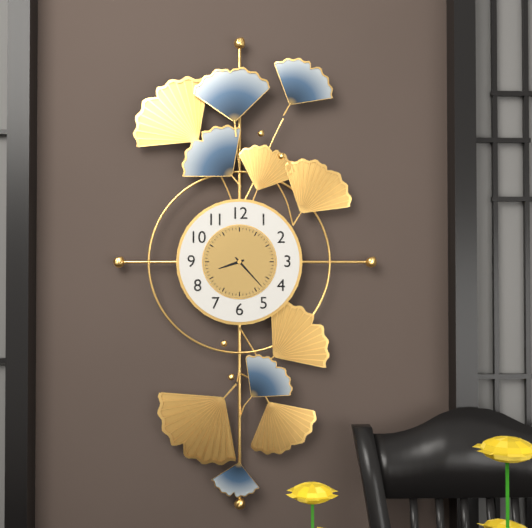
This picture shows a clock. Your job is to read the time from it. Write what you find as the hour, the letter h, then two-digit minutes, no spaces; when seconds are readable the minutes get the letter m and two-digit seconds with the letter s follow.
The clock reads 8h23
